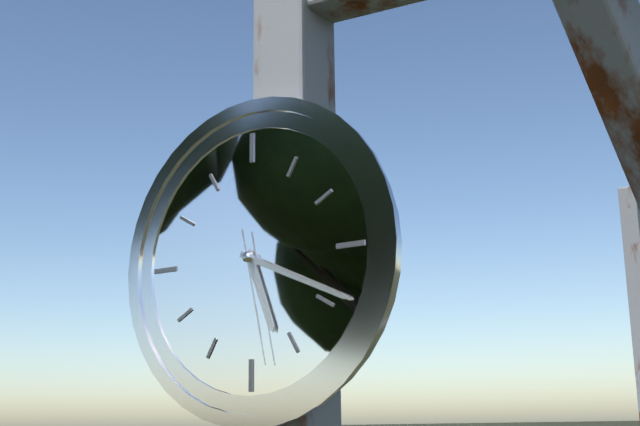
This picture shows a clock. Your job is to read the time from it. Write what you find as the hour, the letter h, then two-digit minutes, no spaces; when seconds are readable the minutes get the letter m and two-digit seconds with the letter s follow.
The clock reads 5h19m28s
